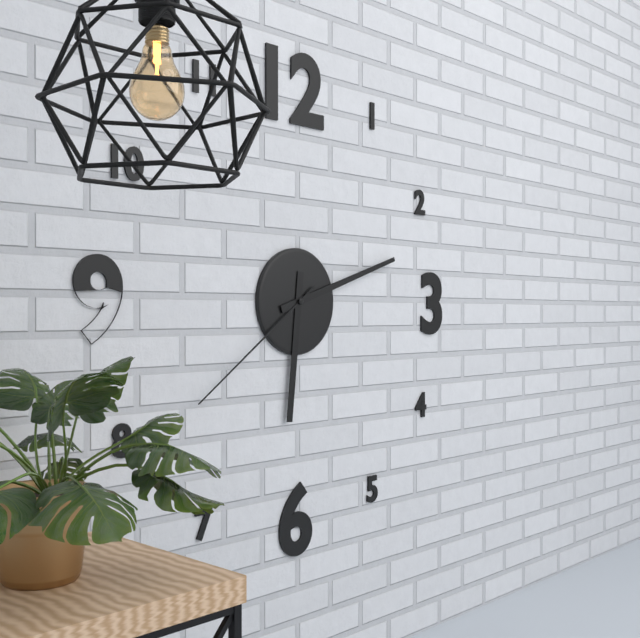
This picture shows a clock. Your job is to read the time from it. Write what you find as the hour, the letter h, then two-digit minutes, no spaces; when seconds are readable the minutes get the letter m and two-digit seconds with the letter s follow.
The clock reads 6h12m39s
